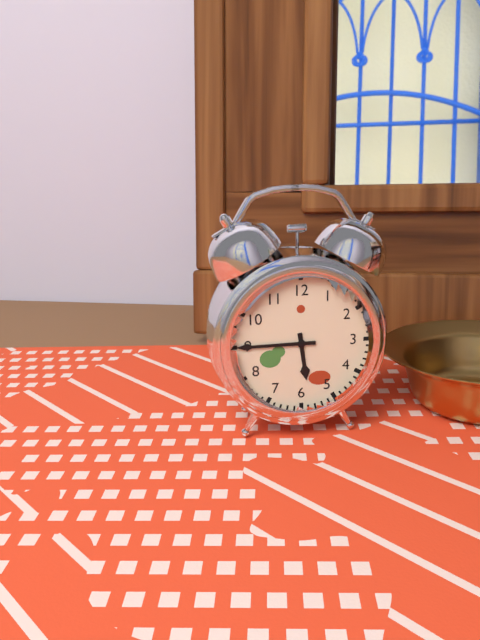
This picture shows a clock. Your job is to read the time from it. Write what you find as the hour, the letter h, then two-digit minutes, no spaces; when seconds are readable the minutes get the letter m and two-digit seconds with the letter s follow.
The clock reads 5h45
